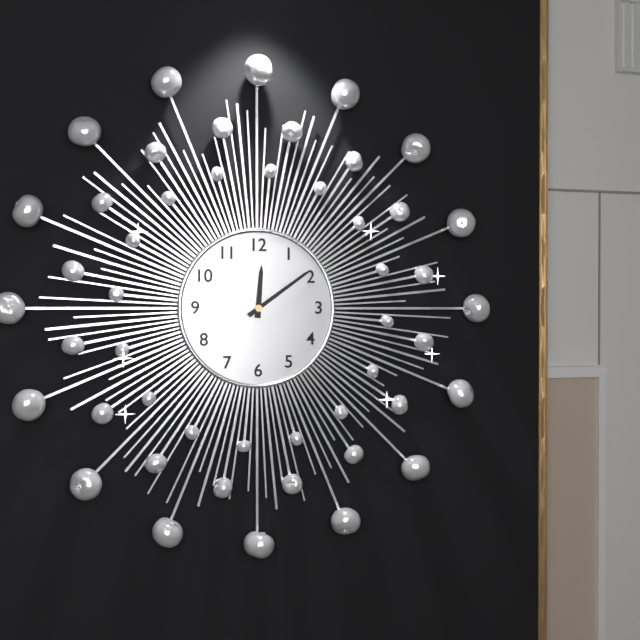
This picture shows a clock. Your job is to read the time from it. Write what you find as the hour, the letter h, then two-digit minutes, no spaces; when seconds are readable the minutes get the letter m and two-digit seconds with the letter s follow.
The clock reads 12h09
